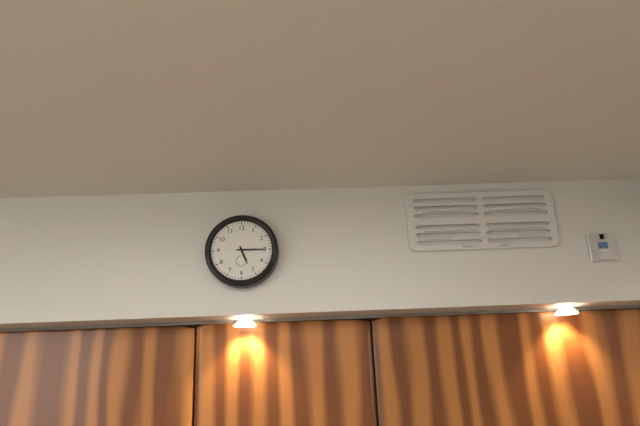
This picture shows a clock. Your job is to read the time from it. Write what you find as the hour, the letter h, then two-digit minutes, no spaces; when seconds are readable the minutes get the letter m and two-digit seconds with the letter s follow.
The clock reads 5h15
